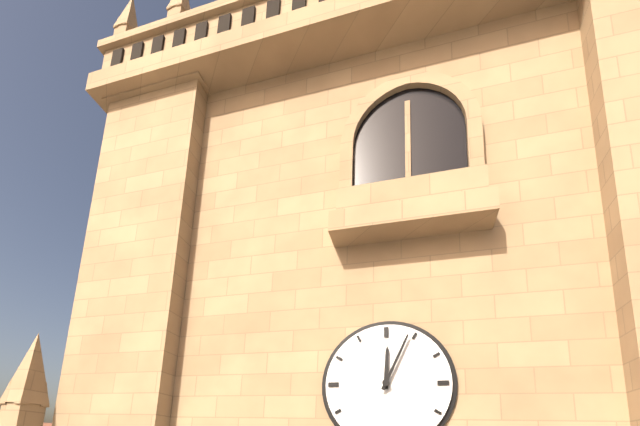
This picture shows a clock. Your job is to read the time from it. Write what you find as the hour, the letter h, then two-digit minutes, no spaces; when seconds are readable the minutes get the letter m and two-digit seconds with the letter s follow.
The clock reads 12h04
